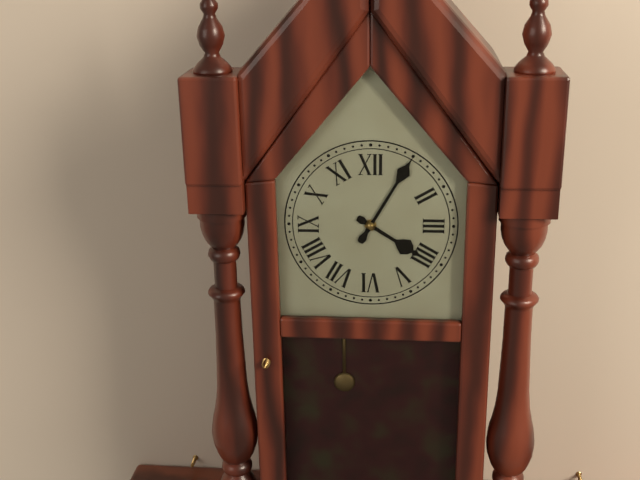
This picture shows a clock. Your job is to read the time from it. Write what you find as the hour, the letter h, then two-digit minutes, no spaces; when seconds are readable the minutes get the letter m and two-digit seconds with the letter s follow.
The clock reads 4h05
